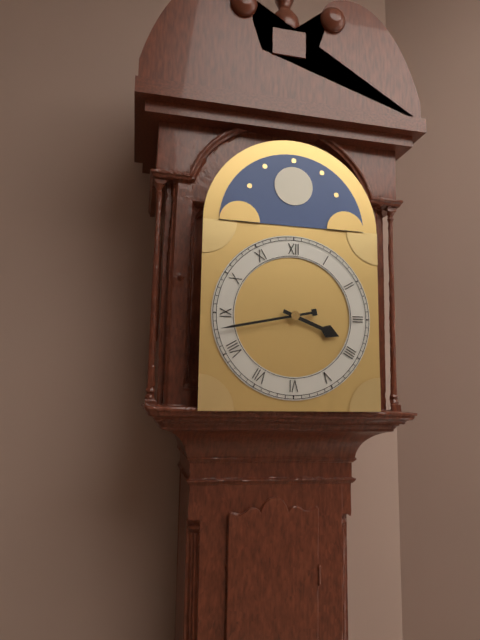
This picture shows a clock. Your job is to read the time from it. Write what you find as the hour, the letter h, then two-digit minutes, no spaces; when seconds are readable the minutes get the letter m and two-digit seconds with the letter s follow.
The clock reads 3h43
